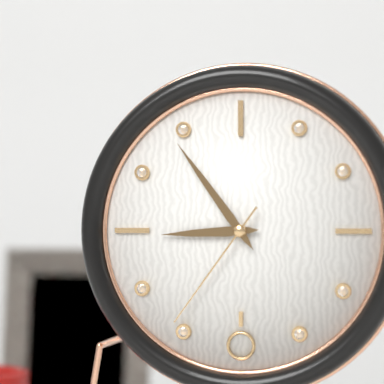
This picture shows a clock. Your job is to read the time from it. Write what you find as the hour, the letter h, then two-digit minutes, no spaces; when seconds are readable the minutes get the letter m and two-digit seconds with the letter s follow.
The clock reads 8h54m36s
